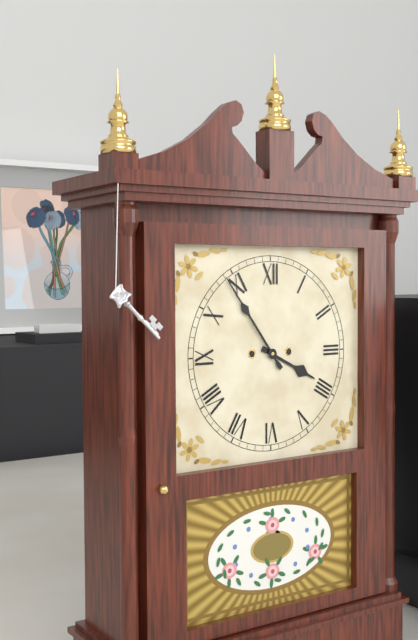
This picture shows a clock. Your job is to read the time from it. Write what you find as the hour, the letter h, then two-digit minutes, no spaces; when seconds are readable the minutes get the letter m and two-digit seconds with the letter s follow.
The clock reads 3h54
